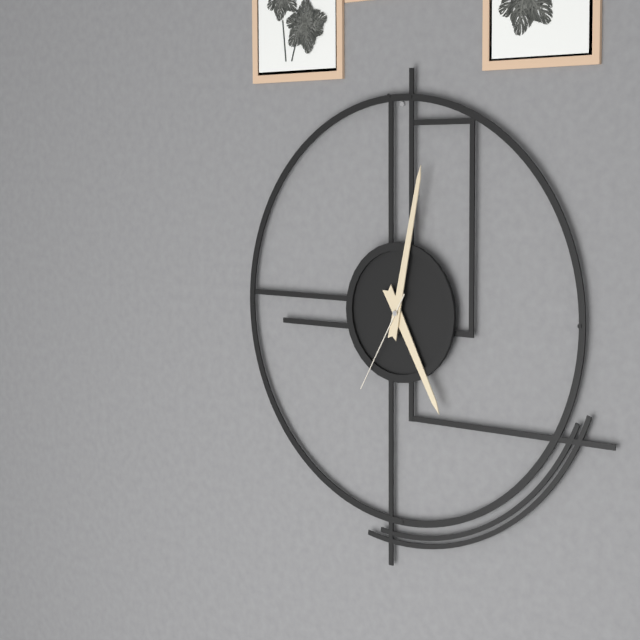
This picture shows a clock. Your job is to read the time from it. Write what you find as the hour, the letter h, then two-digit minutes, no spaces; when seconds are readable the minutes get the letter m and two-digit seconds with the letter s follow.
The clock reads 5h02m35s
